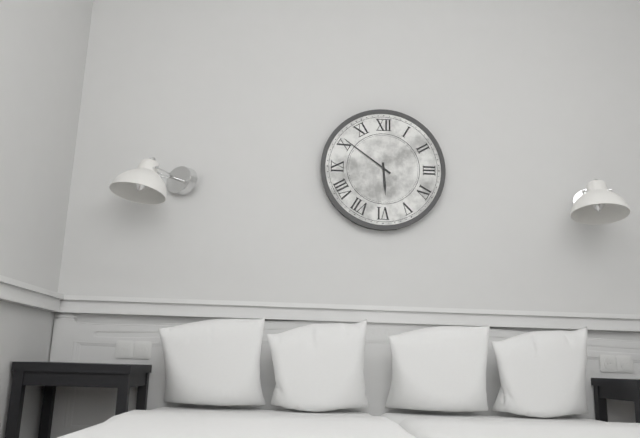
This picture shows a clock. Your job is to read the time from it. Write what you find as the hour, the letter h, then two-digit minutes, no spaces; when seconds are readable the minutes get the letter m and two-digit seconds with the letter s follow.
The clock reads 5h51
